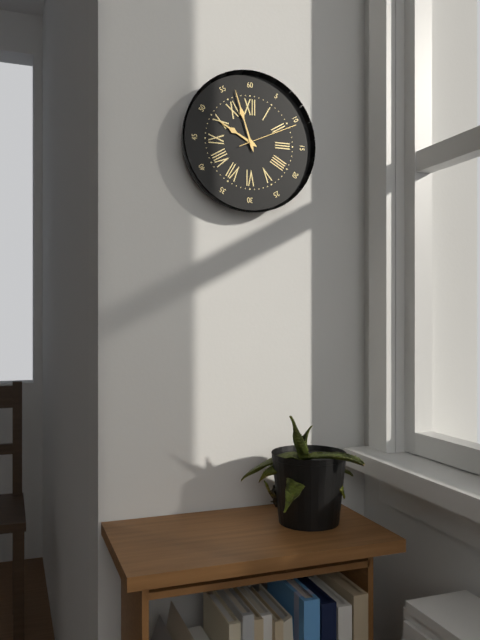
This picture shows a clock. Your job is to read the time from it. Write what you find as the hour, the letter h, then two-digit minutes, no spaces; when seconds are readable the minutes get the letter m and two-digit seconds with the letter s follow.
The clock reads 9h57m11s
